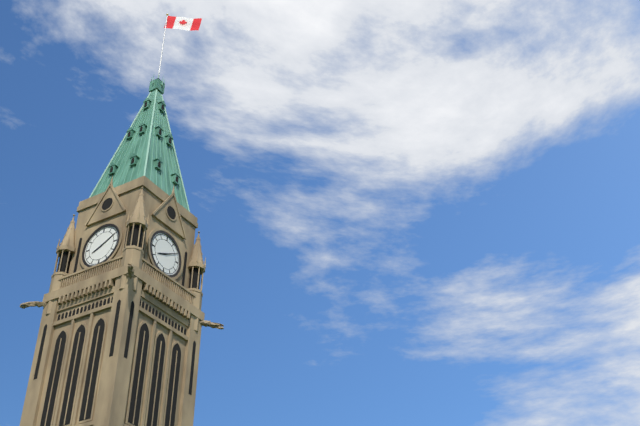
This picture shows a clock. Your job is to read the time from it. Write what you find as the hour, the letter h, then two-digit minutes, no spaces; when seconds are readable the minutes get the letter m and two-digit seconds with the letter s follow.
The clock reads 8h10
